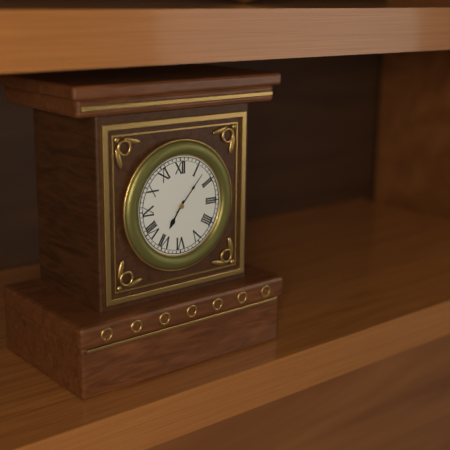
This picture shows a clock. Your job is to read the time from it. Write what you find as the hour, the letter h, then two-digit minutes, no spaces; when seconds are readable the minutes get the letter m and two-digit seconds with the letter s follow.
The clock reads 7h07
